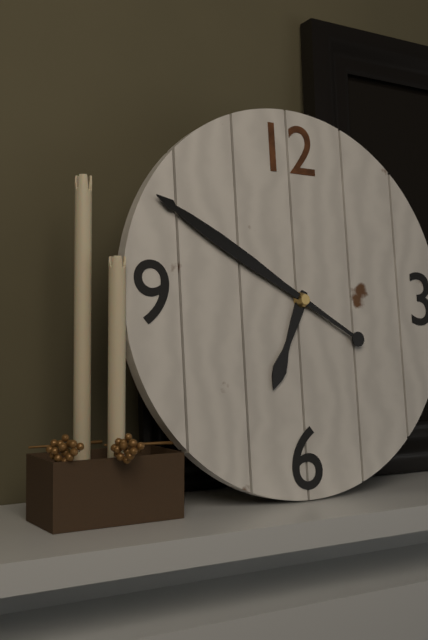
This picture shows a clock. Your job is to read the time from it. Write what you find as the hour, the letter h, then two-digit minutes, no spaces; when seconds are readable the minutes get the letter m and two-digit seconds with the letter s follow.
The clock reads 6h50
